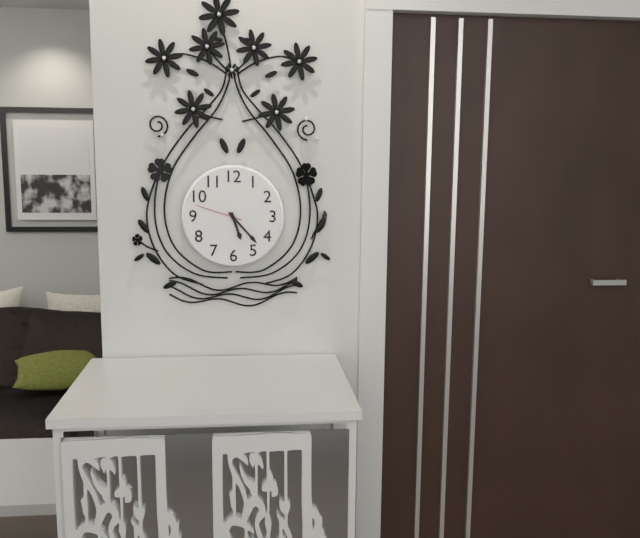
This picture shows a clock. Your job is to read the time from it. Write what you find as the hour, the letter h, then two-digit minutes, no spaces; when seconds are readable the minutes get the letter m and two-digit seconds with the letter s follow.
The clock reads 5h23
